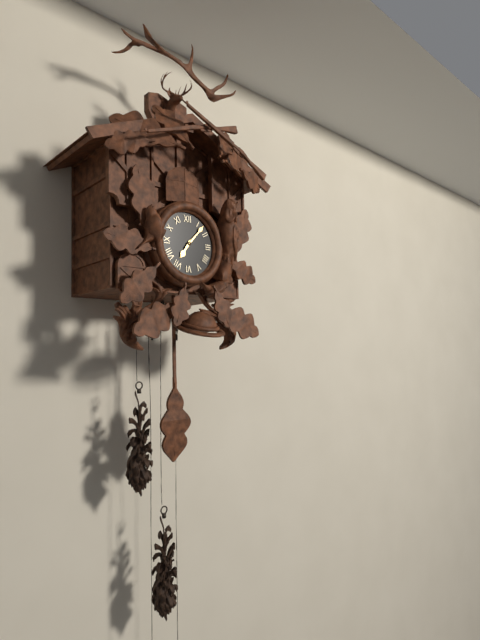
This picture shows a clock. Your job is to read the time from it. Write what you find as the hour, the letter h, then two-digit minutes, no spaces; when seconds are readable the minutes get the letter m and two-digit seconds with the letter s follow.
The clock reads 7h07
